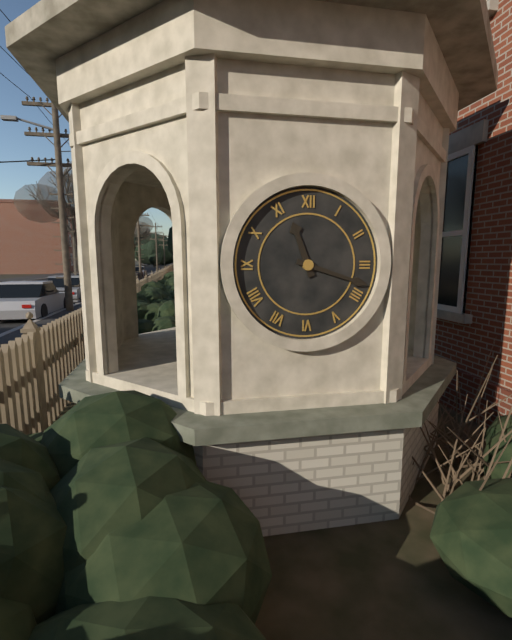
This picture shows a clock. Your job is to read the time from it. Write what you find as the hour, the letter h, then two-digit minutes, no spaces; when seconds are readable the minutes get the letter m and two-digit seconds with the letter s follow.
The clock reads 11h18
